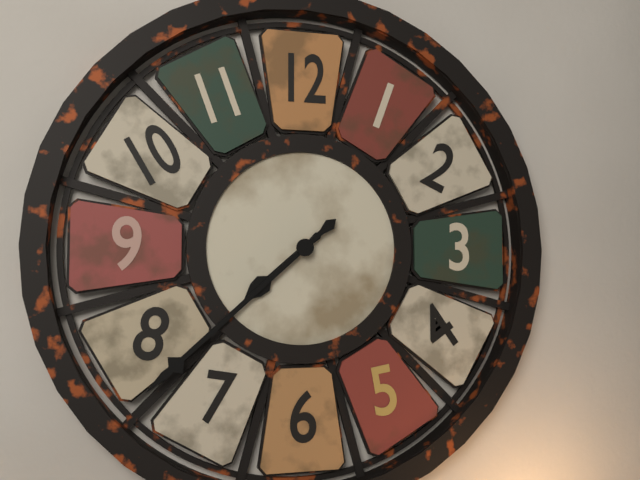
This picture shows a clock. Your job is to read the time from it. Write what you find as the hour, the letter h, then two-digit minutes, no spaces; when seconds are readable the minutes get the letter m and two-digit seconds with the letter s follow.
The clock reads 7h38
